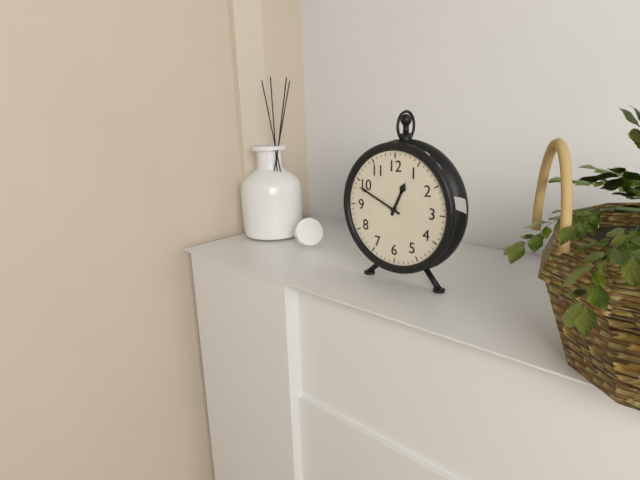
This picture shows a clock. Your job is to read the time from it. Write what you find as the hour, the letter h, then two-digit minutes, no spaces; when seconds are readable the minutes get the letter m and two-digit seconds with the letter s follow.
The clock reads 12h49
